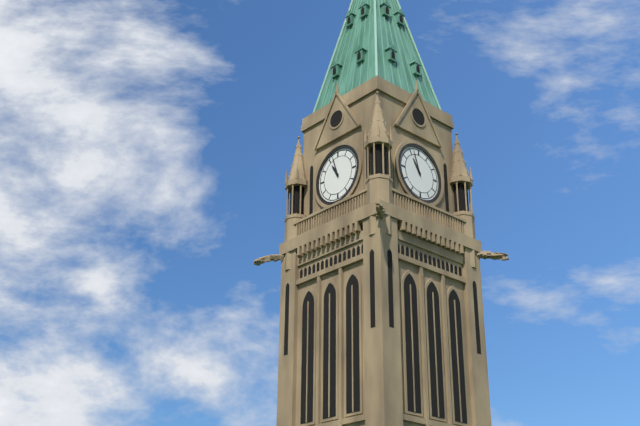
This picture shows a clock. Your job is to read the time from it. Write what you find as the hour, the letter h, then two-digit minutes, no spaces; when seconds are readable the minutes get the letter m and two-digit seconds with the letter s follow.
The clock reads 10h57
